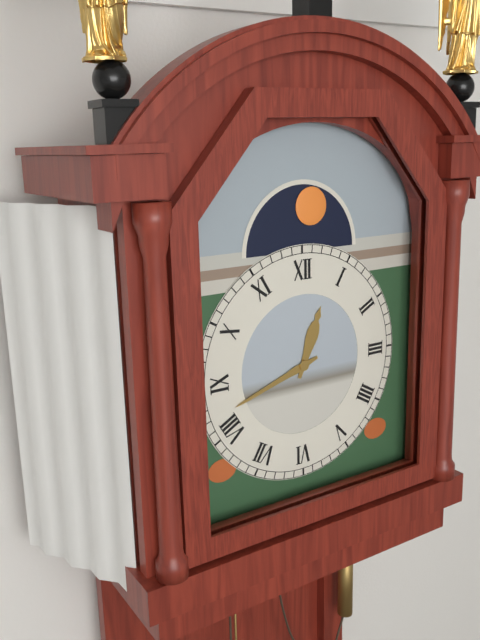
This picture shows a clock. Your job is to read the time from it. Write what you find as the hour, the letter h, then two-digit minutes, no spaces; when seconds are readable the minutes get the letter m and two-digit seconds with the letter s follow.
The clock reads 12h42
